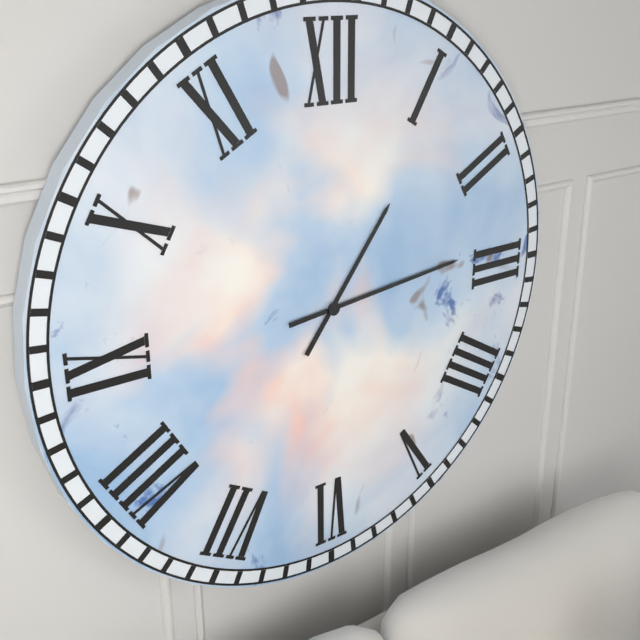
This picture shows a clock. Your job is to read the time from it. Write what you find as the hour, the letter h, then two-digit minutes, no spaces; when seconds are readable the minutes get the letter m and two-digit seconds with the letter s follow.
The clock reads 1h14
